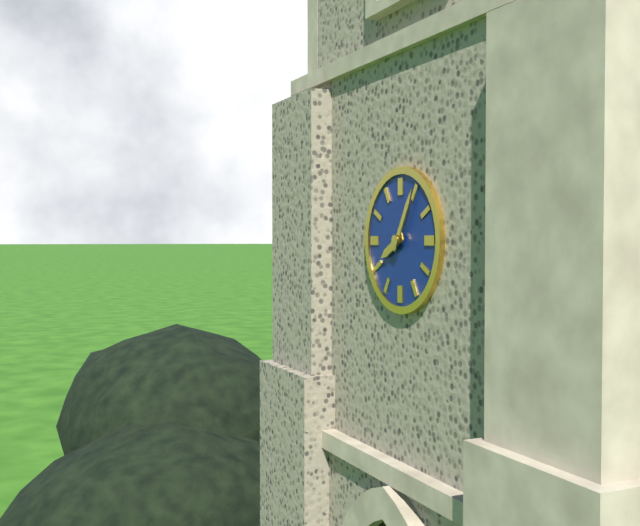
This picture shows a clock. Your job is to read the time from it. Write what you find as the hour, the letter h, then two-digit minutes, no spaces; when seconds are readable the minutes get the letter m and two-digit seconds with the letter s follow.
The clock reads 8h05
